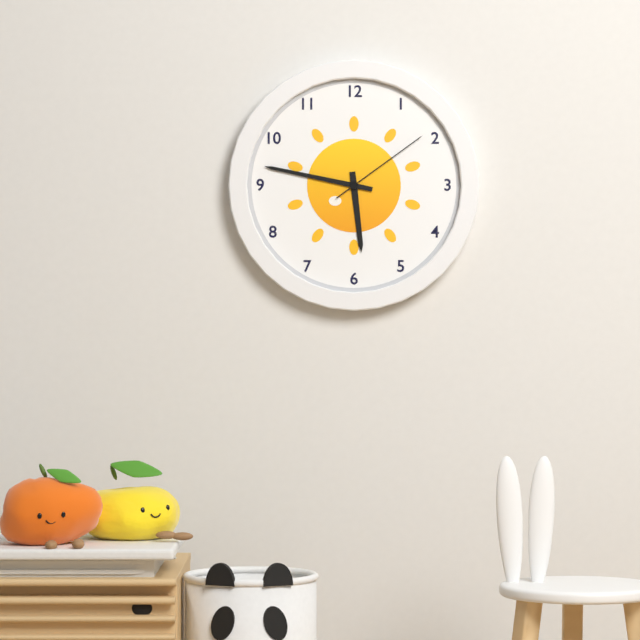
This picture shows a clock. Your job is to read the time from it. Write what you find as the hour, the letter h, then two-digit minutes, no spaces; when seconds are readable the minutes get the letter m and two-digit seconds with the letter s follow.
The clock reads 5h47m09s
